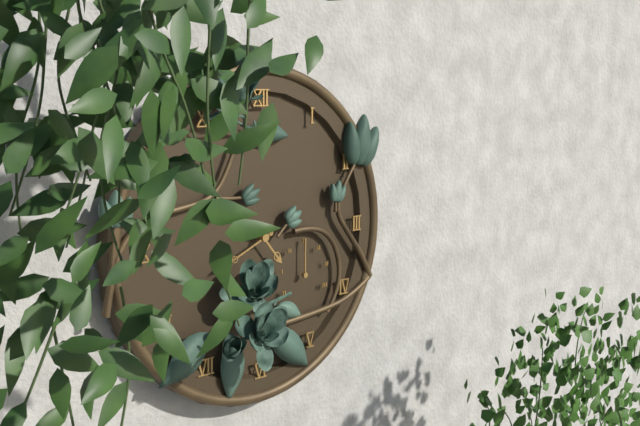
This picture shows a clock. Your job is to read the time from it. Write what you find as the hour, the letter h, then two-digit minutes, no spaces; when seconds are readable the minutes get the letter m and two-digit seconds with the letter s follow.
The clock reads 4h41
